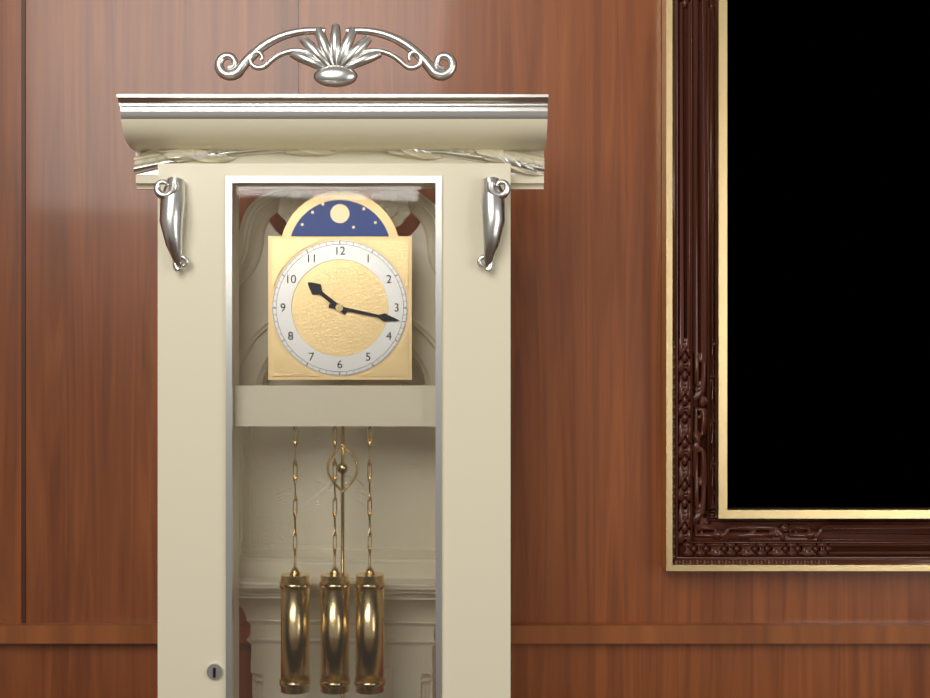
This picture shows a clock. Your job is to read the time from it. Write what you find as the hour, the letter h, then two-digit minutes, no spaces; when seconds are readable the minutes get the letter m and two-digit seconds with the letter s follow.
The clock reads 10h17
